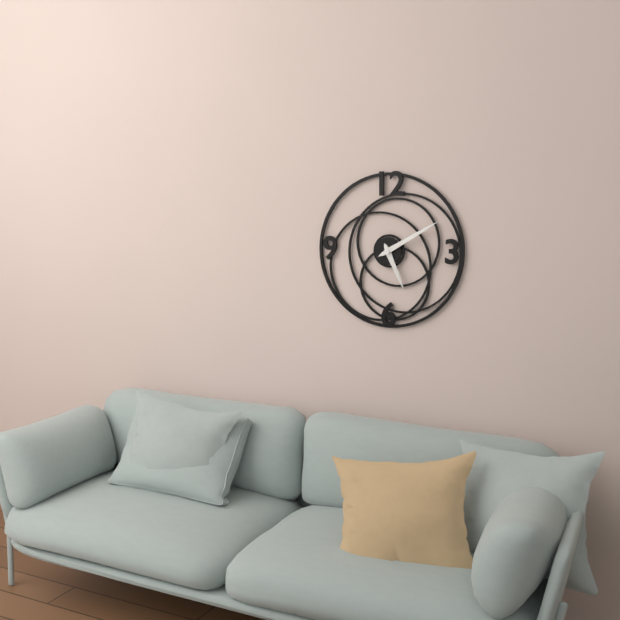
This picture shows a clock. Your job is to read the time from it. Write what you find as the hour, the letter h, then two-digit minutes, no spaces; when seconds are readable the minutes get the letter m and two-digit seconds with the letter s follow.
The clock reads 5h10
